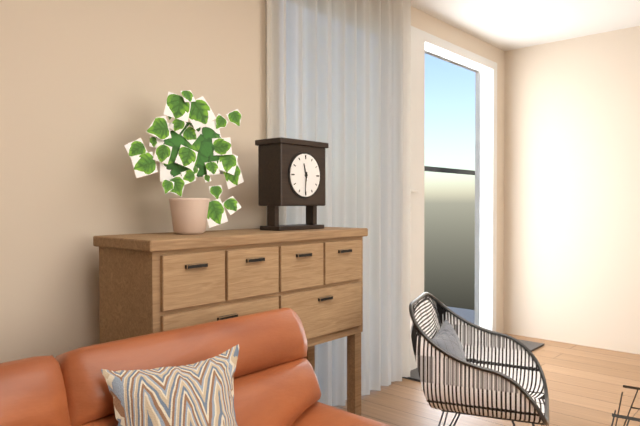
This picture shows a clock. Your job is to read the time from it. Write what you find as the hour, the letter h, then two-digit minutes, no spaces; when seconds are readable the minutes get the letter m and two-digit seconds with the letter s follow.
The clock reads 11h31
